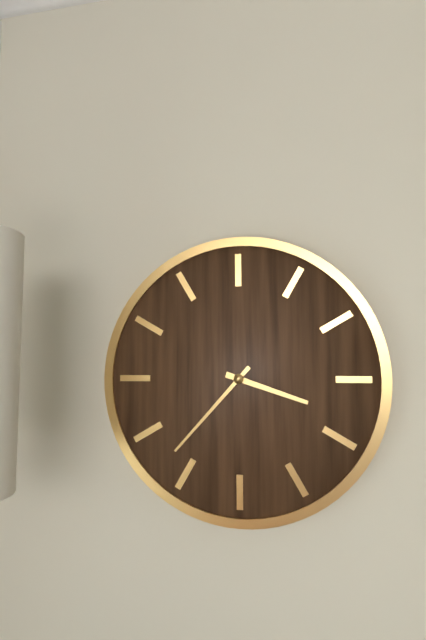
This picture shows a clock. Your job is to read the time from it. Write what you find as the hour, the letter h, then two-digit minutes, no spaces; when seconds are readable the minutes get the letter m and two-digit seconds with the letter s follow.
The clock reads 3h37
